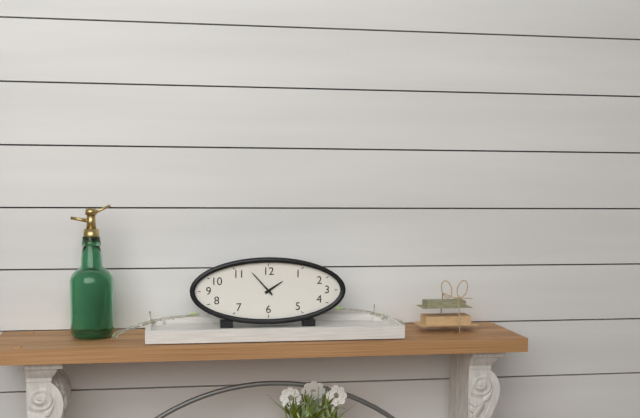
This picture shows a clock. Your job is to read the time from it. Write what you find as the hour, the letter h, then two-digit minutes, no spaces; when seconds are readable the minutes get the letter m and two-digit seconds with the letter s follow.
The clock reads 1h53
